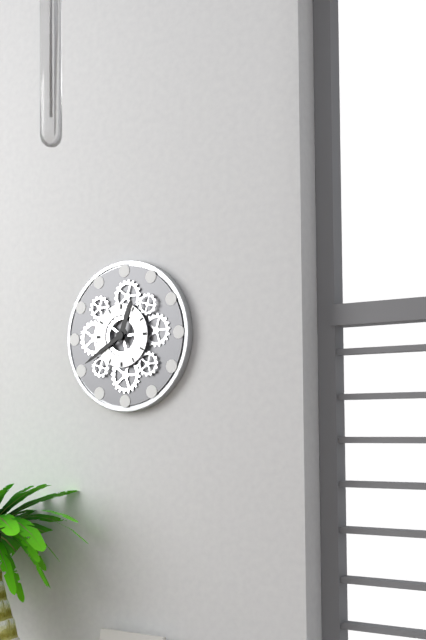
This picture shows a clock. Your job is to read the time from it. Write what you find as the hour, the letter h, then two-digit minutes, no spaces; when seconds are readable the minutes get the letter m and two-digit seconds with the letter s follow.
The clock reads 12h40
